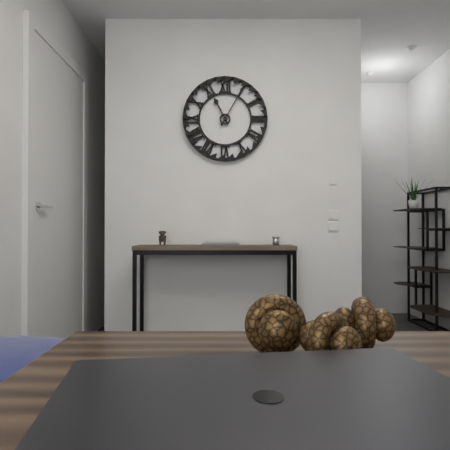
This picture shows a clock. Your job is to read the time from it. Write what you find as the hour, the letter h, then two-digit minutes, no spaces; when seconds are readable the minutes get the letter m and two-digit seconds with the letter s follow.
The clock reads 11h05
